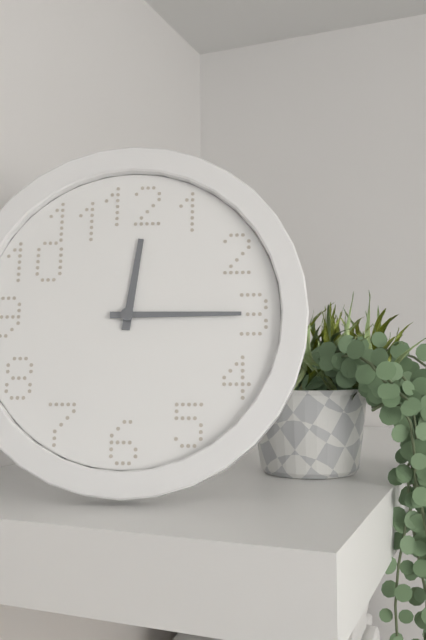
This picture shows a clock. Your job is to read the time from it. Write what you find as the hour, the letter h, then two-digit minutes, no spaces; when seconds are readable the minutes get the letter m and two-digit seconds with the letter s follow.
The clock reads 12h15
